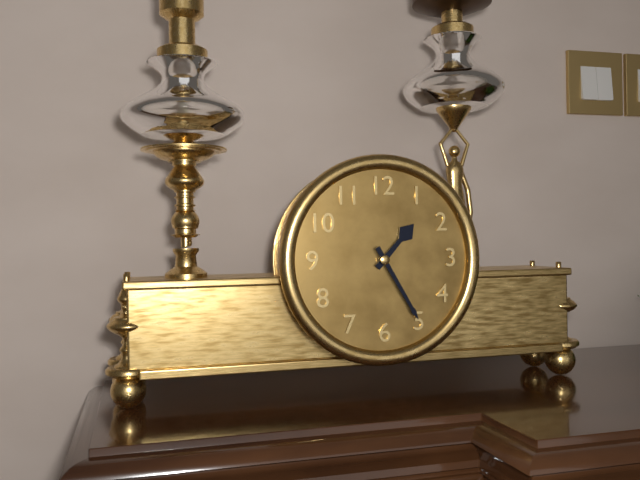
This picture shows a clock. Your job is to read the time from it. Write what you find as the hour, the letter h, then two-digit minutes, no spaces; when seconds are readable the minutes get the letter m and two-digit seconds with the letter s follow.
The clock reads 1h25
